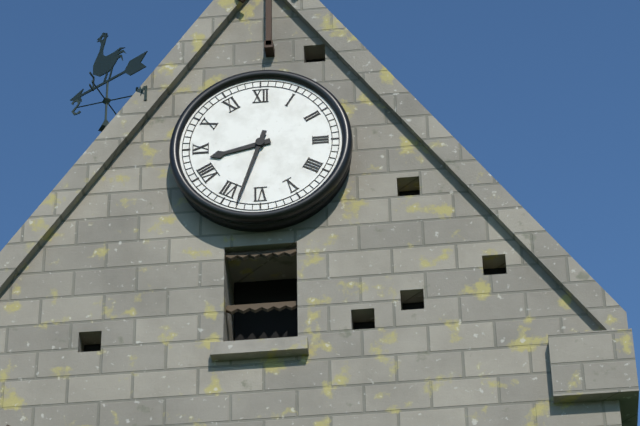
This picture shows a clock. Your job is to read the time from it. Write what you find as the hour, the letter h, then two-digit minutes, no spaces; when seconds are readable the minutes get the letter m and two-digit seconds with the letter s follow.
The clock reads 8h33
